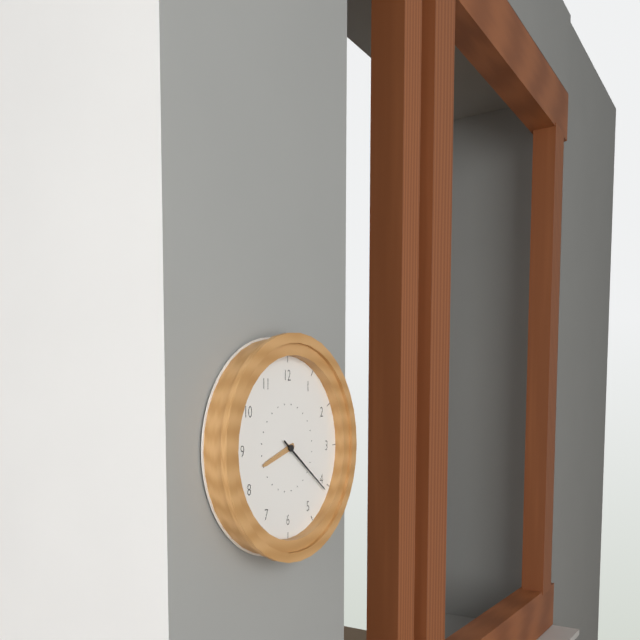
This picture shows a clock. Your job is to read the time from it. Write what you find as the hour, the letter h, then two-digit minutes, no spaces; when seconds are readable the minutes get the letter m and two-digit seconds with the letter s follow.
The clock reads 8h21
